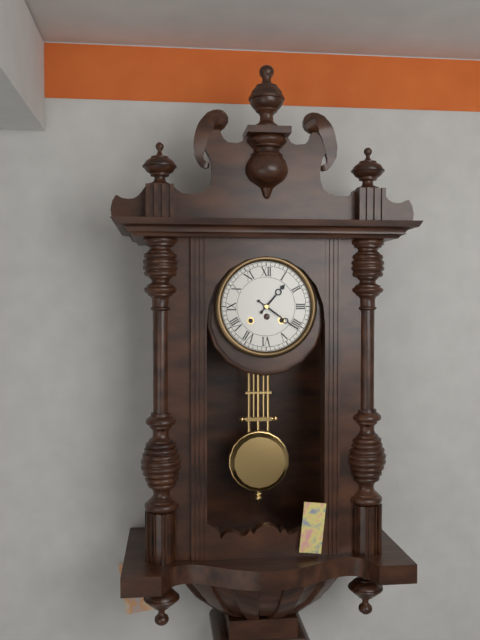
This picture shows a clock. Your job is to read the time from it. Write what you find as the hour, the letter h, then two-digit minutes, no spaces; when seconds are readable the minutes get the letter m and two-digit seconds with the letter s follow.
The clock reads 1h21
